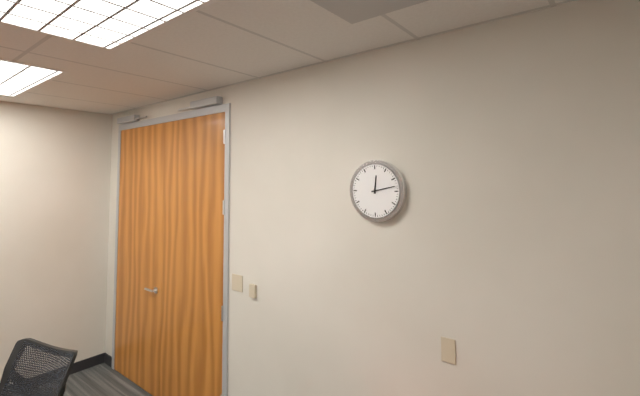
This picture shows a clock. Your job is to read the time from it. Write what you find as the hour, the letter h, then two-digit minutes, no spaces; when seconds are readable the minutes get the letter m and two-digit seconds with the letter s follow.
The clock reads 12h13
